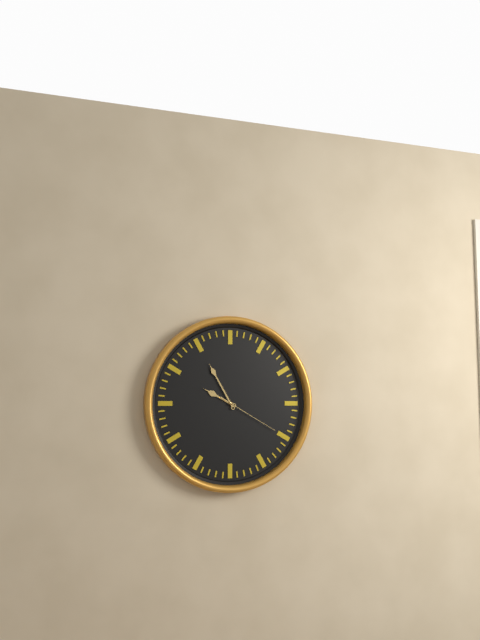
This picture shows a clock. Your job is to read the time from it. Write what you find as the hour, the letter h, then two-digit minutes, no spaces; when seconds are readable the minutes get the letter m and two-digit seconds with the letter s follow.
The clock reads 9h55m20s
